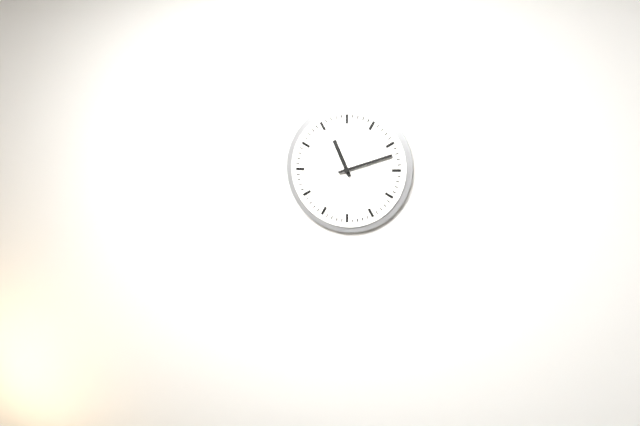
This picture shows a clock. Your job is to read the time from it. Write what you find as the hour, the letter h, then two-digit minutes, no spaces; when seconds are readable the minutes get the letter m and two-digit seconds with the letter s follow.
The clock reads 11h12
